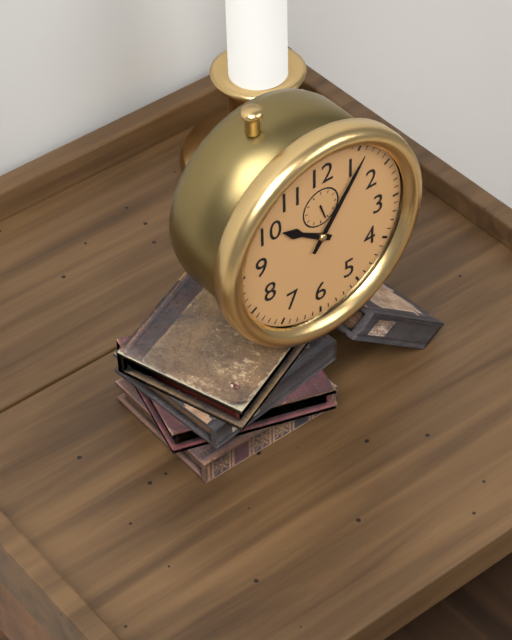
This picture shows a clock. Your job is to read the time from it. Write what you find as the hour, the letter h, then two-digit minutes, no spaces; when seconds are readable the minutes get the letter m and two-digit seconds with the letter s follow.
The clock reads 10h06
